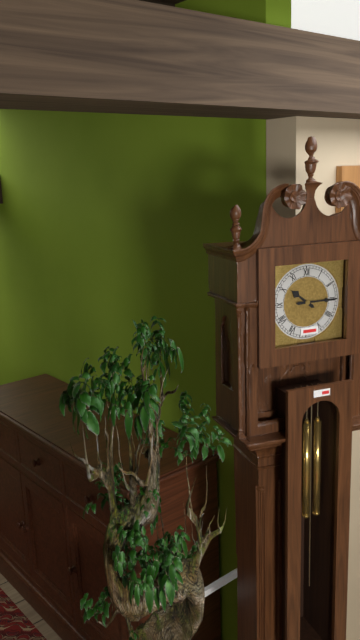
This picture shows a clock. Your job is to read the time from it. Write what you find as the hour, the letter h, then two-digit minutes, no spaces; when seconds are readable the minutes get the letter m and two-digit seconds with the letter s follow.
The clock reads 10h15
